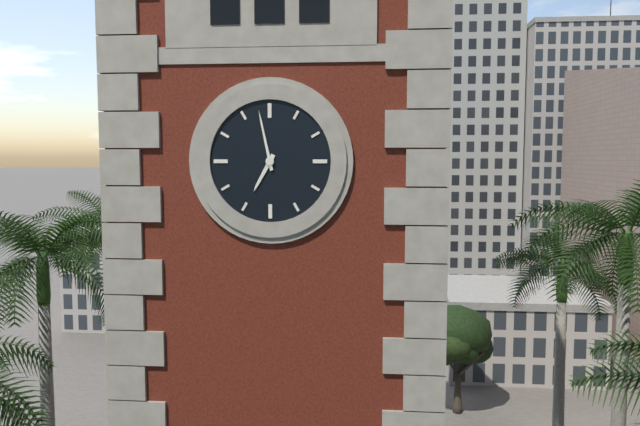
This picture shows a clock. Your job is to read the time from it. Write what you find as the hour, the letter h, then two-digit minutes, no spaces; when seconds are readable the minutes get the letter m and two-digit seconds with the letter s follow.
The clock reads 6h58
